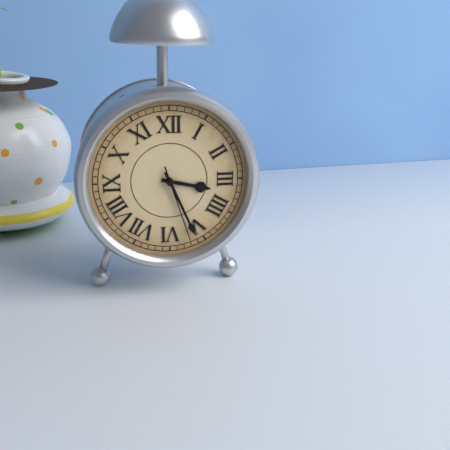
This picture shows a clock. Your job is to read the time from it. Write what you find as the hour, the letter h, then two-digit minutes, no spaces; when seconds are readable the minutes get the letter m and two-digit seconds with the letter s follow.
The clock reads 3h26m27s
